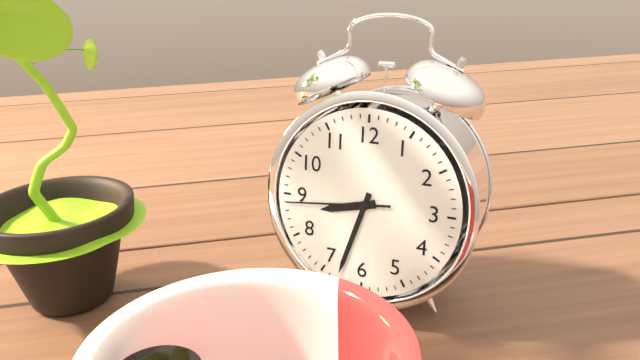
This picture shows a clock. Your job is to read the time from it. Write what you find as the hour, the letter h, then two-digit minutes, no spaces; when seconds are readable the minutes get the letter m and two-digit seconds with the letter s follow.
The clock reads 8h33m44s
